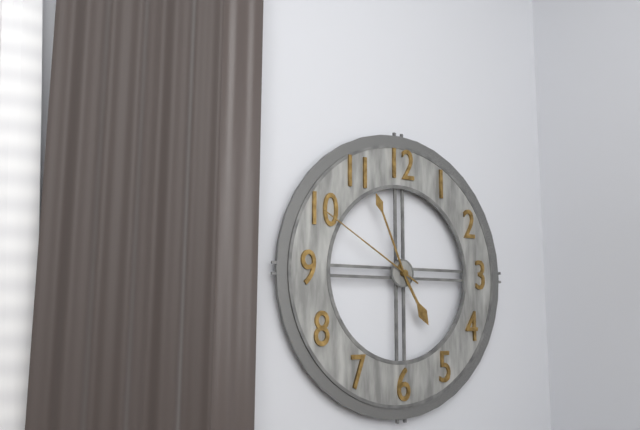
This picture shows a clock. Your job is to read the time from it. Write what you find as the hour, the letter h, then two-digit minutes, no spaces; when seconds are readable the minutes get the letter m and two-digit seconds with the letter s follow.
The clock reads 4h56m50s
